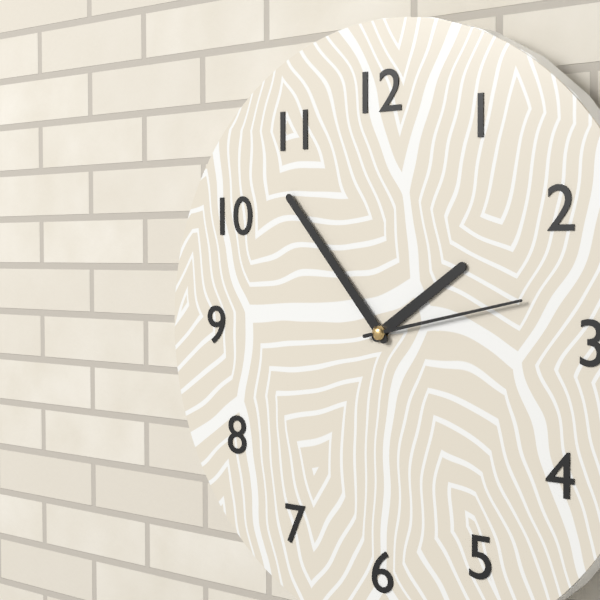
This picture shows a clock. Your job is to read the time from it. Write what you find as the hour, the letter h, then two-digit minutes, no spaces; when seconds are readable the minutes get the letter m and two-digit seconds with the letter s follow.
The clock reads 1h53m13s
